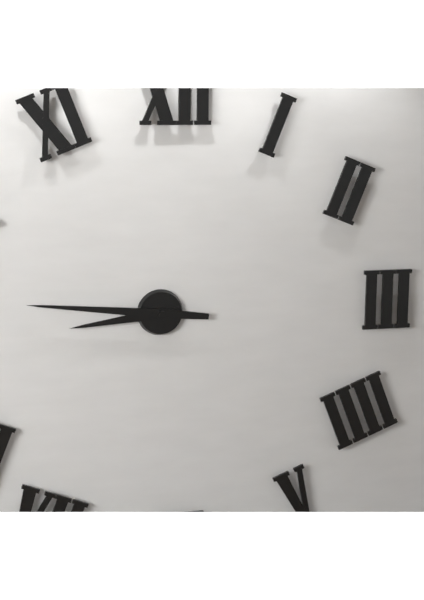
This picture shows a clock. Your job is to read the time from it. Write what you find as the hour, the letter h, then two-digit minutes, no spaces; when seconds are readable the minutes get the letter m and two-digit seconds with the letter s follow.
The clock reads 8h46
